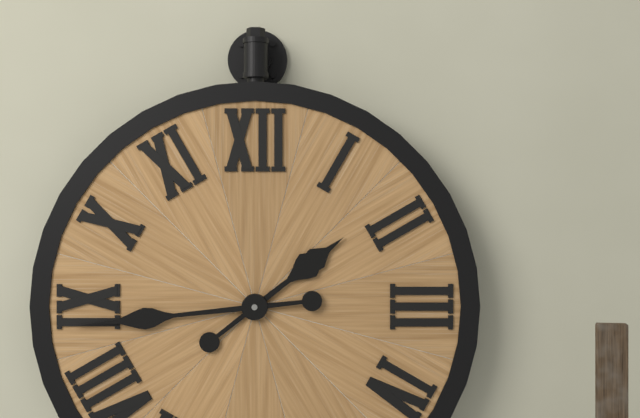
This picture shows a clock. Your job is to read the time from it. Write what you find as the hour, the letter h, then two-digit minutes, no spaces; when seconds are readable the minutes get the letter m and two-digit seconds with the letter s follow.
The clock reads 1h44
